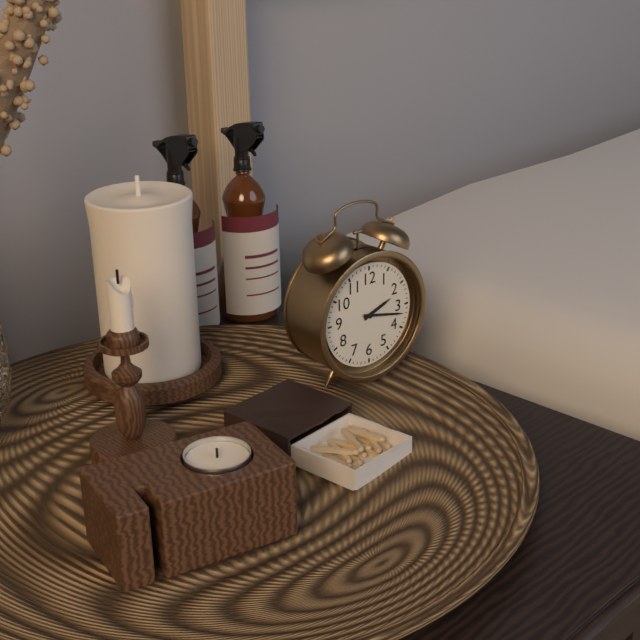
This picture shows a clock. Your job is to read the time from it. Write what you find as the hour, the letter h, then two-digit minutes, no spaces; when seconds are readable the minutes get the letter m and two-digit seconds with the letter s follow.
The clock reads 2h17
